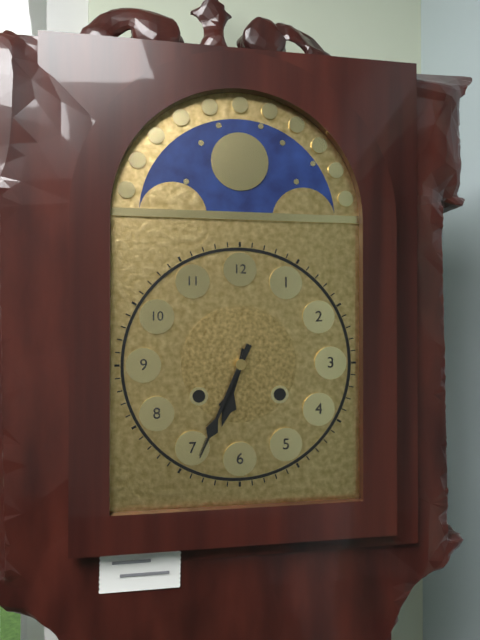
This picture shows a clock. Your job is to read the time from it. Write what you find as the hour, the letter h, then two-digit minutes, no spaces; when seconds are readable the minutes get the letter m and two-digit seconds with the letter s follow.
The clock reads 6h34
